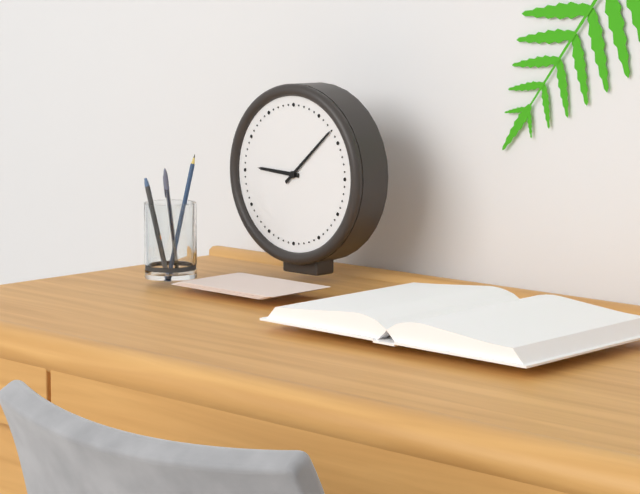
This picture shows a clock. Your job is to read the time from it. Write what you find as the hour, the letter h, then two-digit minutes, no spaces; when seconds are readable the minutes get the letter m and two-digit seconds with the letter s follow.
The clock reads 9h08
